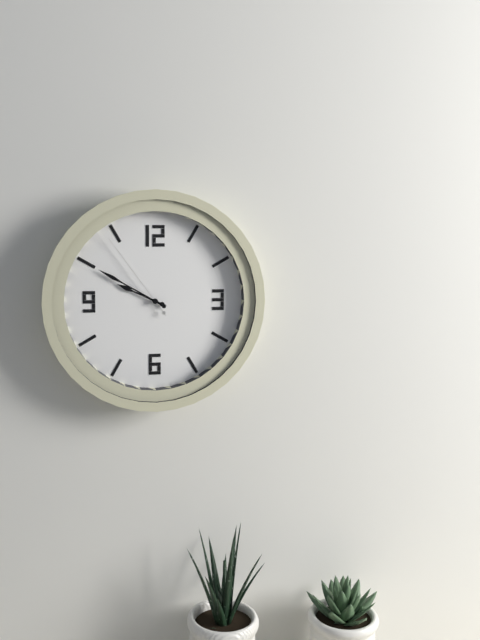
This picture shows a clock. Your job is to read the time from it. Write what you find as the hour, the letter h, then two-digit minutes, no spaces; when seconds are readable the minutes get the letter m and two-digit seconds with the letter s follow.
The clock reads 9h50m54s
